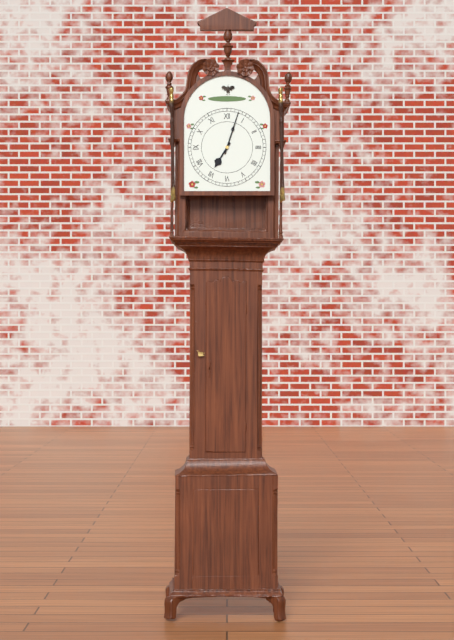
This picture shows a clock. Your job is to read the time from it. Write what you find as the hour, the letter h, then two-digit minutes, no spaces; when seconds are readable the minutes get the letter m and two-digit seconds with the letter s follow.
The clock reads 7h03
